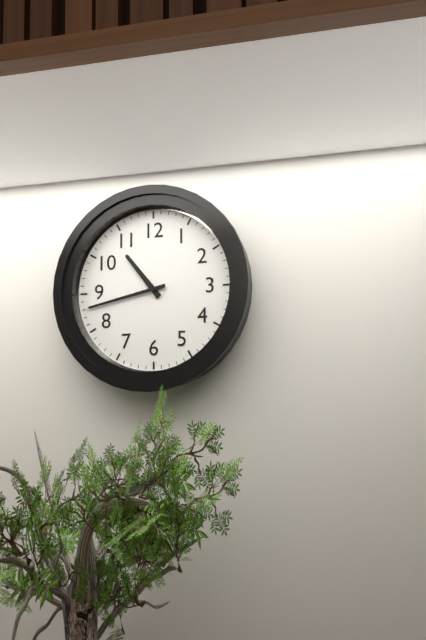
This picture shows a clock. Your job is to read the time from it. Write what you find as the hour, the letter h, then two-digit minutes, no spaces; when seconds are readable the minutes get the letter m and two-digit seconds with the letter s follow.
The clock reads 10h43
